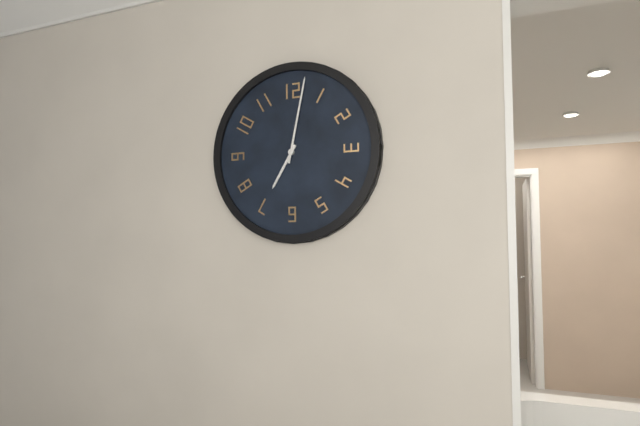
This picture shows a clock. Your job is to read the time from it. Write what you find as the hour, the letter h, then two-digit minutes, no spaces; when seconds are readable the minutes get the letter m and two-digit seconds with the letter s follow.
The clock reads 7h02
